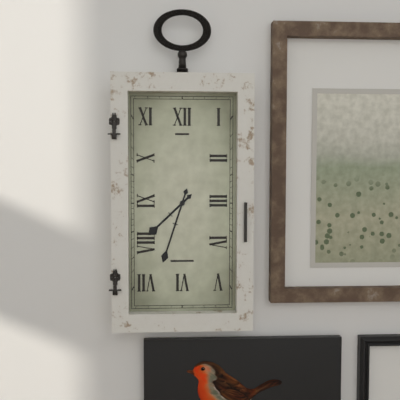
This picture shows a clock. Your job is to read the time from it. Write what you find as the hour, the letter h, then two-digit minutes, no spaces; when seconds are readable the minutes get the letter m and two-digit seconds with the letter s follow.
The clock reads 7h33
